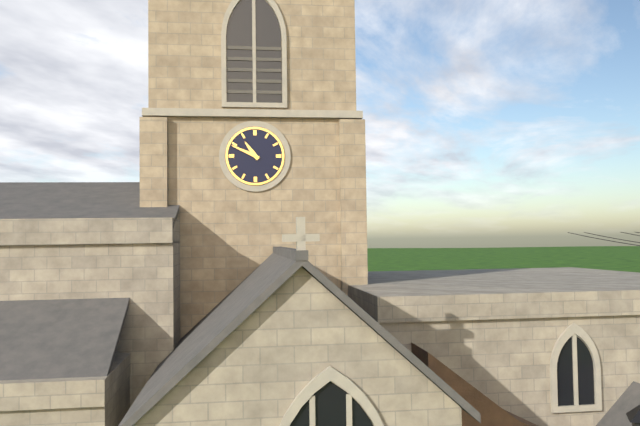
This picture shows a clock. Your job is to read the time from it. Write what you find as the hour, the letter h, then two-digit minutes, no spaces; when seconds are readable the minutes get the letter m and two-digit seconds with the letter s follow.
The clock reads 10h49
